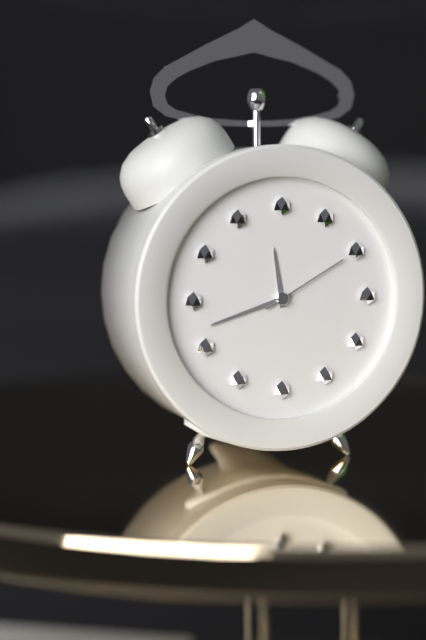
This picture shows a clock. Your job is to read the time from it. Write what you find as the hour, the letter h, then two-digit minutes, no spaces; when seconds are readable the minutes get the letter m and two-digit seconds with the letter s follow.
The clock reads 11h42m10s
